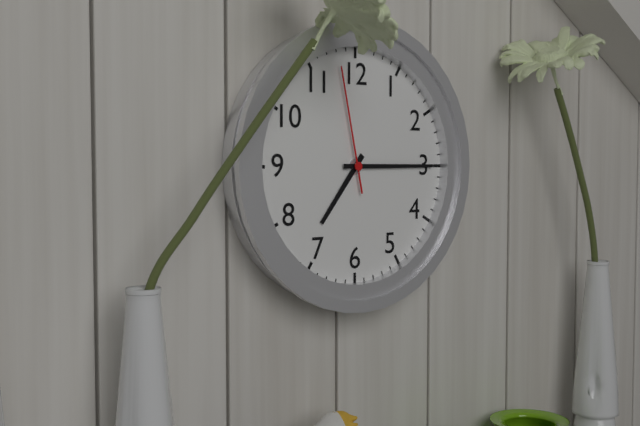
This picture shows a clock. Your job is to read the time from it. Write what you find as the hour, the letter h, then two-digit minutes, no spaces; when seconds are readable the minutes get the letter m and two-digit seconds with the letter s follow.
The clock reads 7h15m58s
